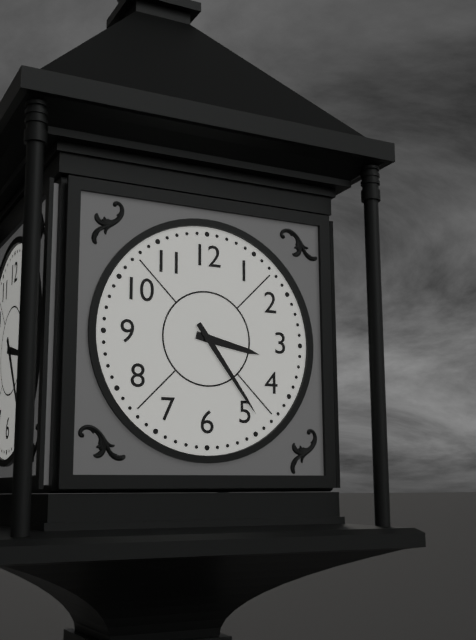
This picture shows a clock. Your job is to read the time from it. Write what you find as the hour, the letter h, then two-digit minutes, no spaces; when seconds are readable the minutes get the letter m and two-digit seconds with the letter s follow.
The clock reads 3h24
